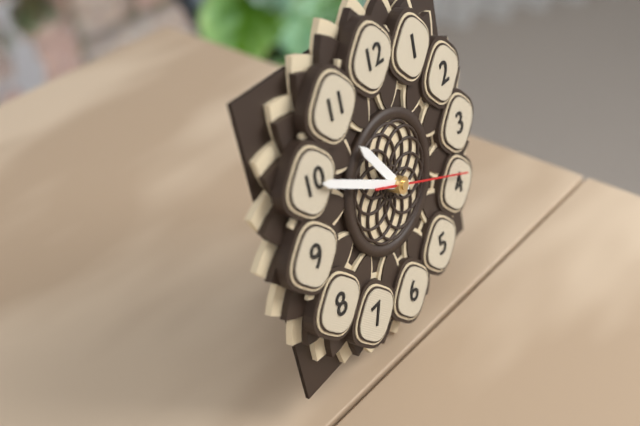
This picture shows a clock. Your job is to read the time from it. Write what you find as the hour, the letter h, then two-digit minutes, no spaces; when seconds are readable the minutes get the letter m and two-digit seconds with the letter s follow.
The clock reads 10h50m19s
